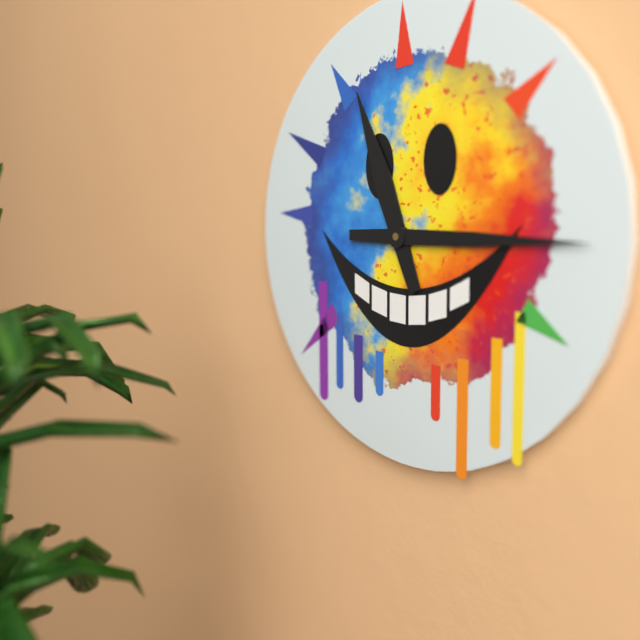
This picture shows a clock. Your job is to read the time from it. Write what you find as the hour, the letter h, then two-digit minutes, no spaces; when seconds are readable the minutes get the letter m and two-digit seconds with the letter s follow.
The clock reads 11h15
